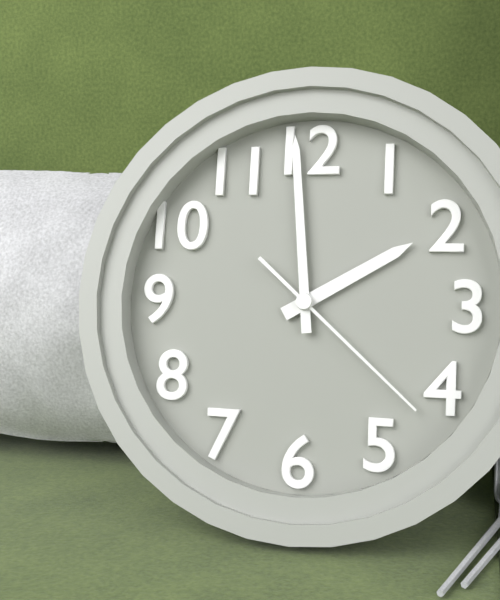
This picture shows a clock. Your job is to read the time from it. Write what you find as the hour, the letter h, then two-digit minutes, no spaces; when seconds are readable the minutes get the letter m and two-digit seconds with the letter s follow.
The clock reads 1h59m22s
